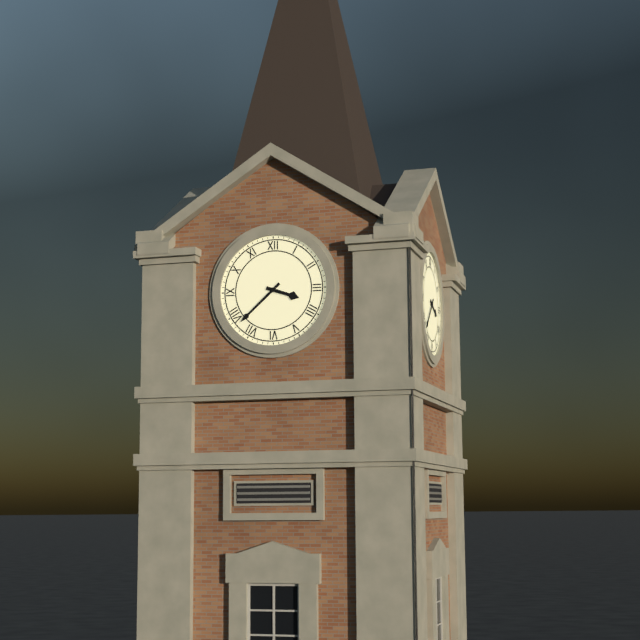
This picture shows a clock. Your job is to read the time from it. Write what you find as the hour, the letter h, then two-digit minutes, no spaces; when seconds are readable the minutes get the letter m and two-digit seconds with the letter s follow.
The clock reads 3h38
